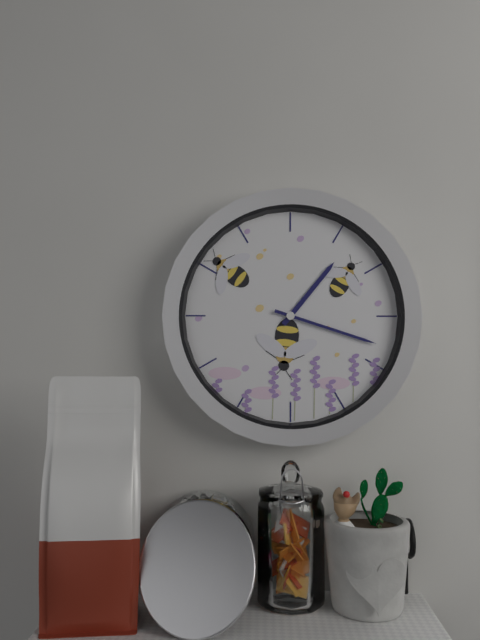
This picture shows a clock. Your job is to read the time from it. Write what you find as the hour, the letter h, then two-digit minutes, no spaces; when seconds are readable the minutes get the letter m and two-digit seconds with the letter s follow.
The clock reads 1h18
